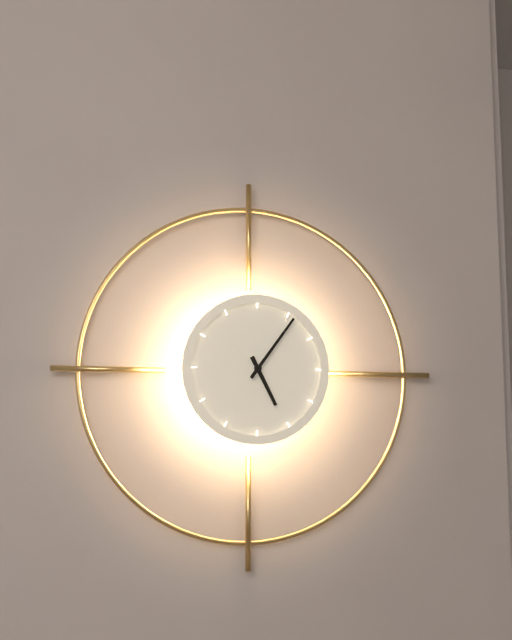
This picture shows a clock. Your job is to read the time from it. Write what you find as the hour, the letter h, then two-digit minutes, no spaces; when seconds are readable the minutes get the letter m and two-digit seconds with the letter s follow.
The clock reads 5h06
